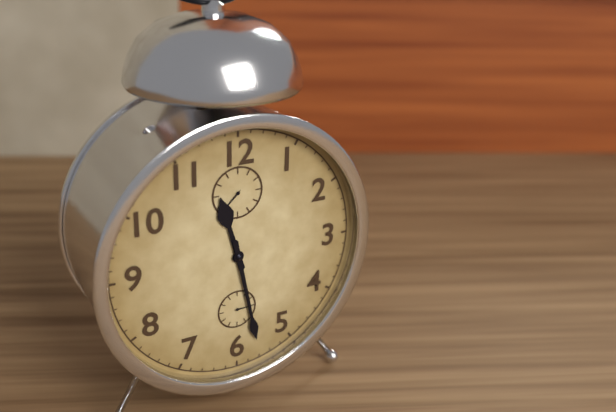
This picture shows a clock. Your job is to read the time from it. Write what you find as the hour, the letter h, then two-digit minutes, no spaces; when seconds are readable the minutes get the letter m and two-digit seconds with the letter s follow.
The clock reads 11h28
